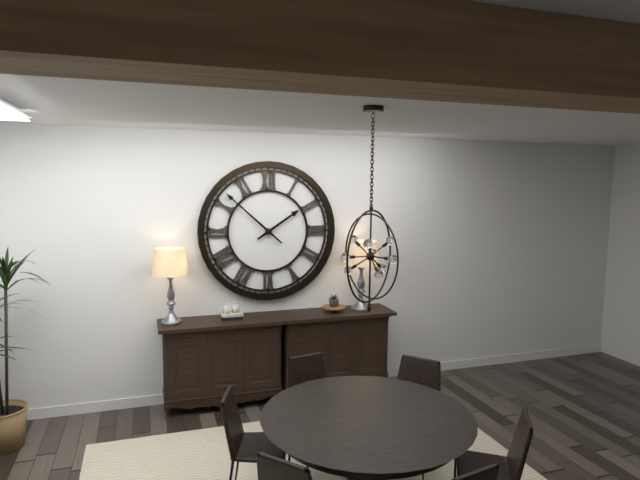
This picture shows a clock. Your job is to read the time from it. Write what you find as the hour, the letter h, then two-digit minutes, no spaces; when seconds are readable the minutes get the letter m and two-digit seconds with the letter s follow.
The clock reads 1h52
